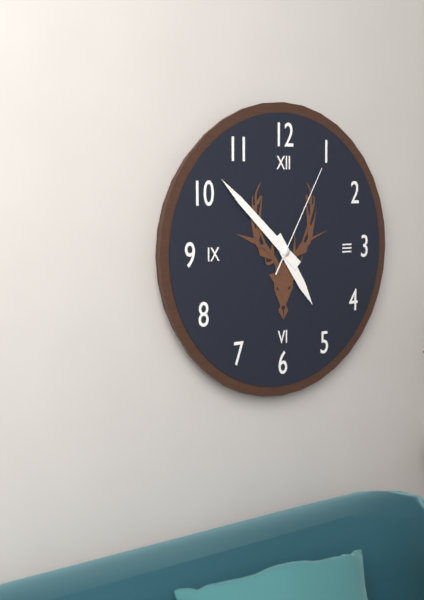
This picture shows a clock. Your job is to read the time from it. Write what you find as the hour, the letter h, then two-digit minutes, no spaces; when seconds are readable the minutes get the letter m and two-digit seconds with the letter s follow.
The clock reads 4h52m05s
